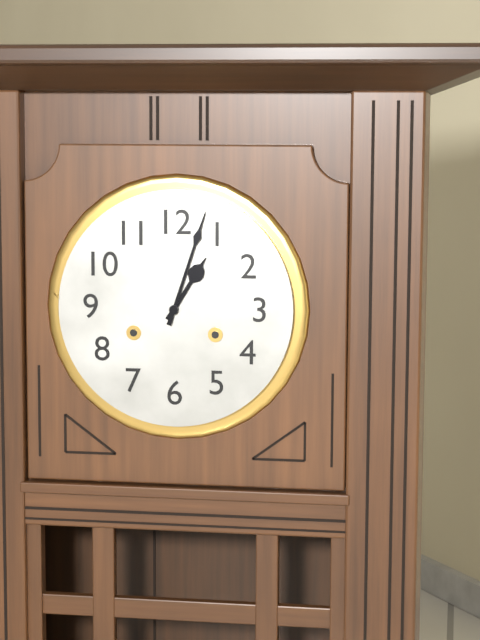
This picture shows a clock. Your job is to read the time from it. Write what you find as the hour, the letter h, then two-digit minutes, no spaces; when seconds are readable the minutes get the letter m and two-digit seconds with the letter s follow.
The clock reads 1h03
